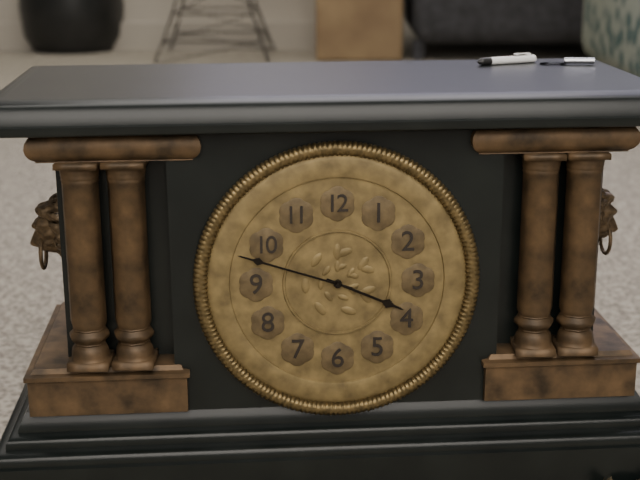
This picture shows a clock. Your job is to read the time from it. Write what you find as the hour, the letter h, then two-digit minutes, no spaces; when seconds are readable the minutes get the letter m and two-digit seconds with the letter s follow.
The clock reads 3h48
